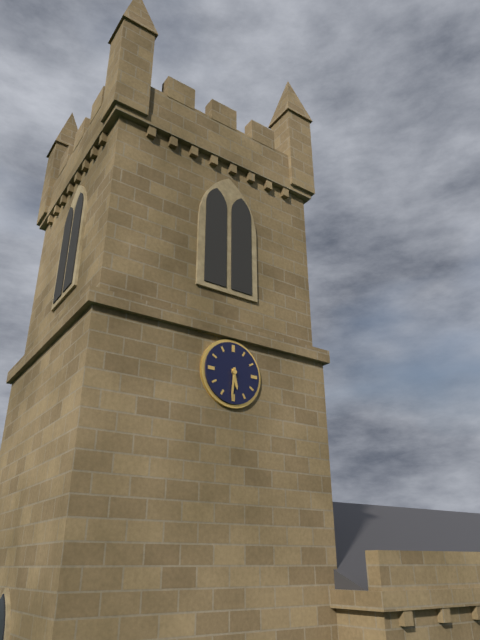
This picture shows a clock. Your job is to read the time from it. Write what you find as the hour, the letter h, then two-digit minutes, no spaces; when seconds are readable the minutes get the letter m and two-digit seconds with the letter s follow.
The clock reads 5h31
